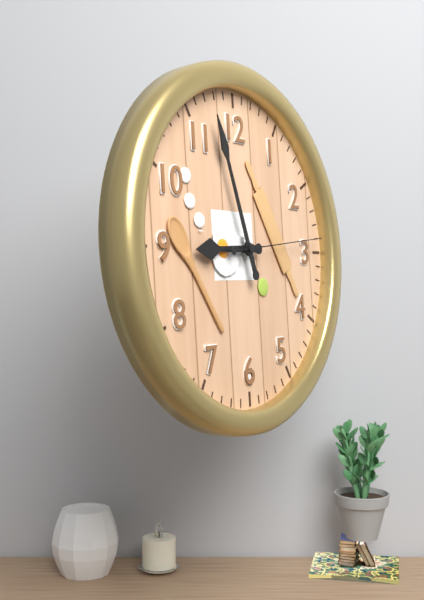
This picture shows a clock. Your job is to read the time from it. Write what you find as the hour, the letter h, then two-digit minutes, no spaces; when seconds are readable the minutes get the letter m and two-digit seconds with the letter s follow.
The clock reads 8h57m14s
